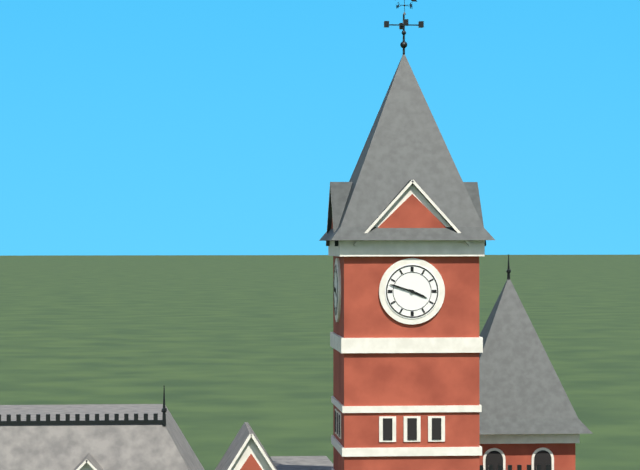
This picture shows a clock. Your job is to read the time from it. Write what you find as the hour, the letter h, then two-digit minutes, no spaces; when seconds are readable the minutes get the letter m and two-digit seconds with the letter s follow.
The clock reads 3h48
